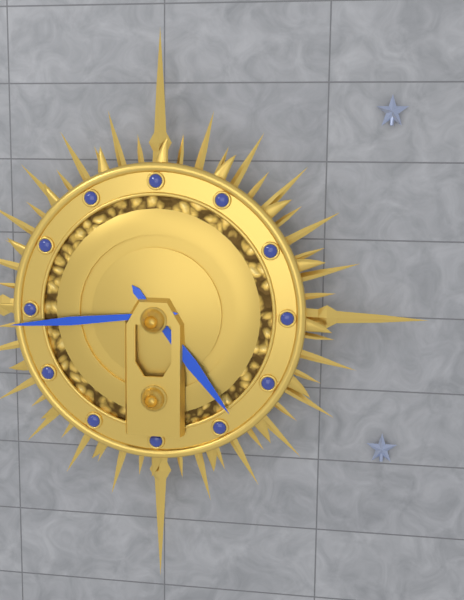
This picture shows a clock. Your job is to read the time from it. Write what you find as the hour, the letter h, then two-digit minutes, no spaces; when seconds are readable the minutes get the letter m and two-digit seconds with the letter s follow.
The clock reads 4h44
